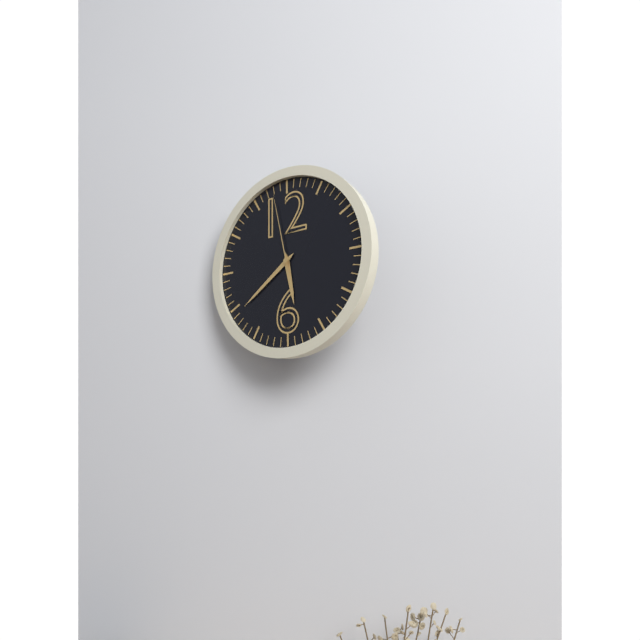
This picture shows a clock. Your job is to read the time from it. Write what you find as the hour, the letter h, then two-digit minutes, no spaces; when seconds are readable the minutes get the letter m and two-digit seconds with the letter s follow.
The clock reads 5h39m58s
